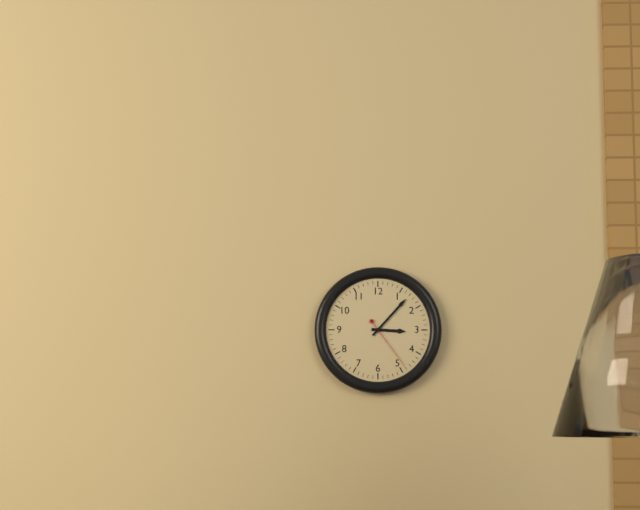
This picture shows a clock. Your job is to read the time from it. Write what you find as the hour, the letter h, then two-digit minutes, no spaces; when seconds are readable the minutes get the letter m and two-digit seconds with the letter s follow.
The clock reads 3h07m24s
